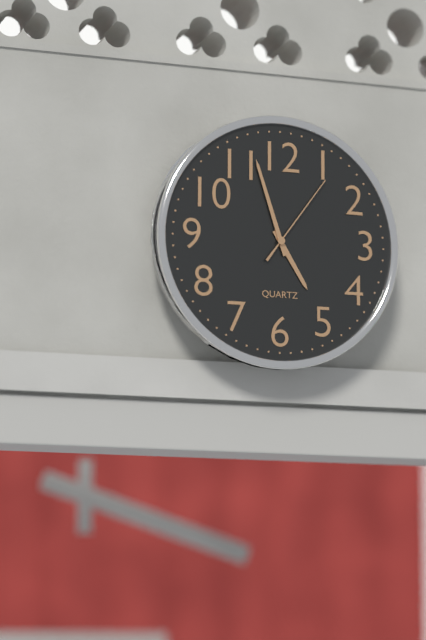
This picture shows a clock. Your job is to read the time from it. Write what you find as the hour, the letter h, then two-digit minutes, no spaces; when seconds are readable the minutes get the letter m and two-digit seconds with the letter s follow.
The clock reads 4h57m06s
